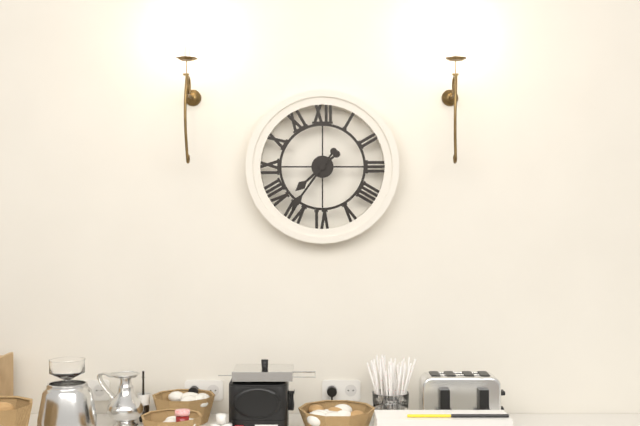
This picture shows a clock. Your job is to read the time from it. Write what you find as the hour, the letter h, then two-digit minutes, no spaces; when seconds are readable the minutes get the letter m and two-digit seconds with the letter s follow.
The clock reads 7h36
